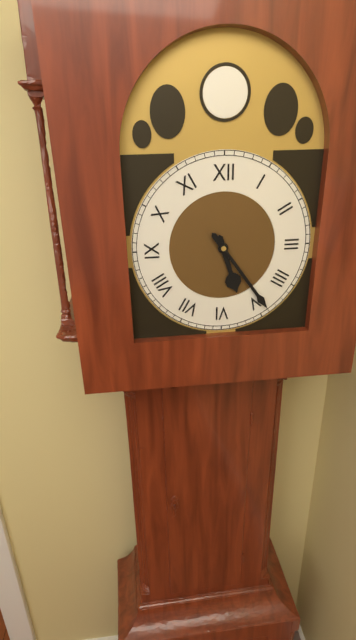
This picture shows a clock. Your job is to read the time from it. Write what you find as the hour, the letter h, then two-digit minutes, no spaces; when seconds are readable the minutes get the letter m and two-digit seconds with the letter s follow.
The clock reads 5h24
